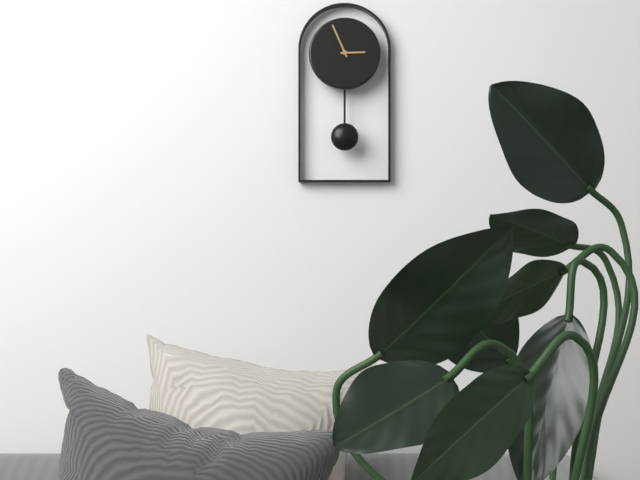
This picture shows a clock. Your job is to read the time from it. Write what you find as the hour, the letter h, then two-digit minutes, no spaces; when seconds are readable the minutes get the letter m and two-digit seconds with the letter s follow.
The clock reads 2h56
